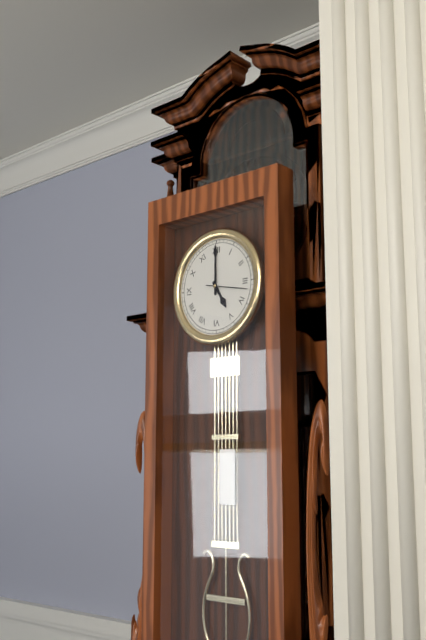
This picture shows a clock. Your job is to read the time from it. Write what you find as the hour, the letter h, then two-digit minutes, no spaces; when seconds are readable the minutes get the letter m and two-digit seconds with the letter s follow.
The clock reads 5h00
